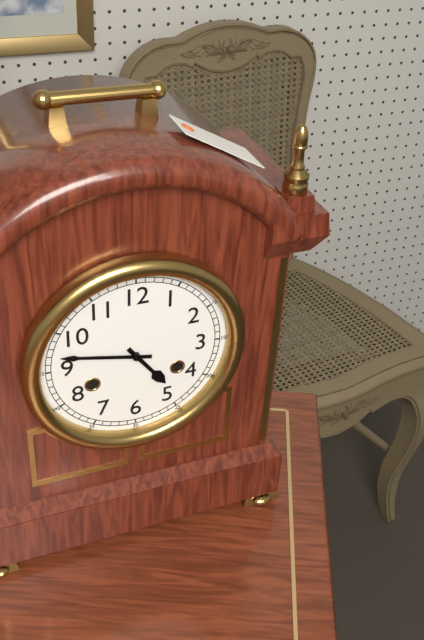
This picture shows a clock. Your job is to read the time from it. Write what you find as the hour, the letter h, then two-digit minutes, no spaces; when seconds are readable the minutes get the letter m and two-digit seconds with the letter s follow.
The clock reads 4h47
